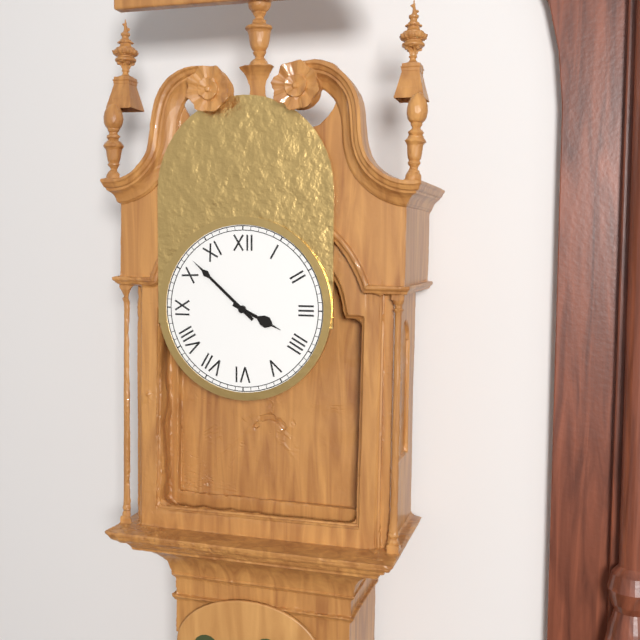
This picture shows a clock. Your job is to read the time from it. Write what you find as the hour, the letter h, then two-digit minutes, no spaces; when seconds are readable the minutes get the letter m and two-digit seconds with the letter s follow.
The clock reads 3h52
